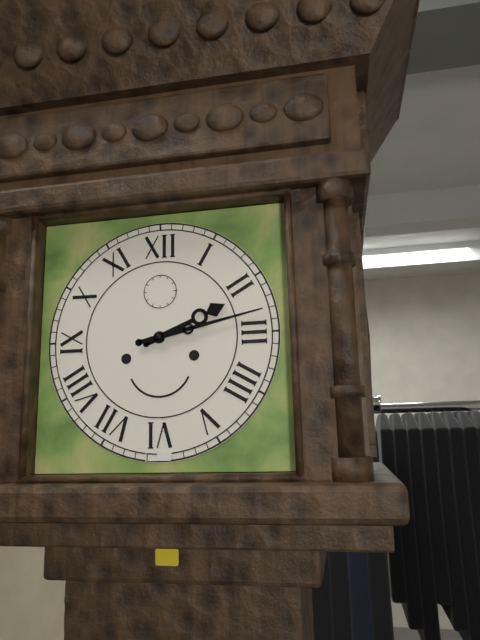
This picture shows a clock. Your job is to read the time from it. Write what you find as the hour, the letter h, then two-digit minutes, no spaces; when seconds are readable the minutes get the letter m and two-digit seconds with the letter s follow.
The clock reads 2h13
